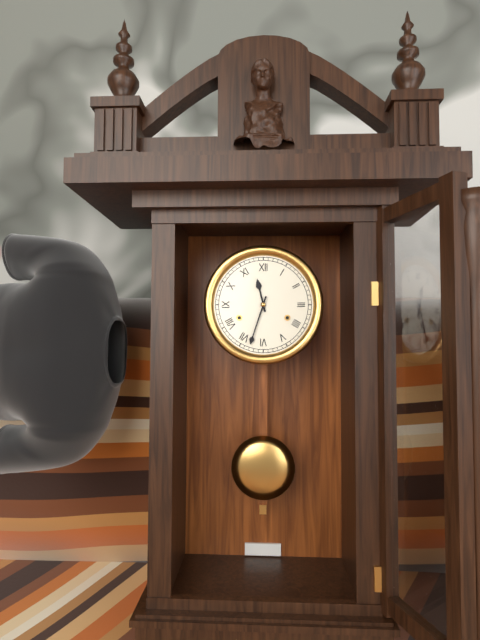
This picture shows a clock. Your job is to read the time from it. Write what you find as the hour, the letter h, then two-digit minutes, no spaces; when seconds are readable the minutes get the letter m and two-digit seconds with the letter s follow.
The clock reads 11h33
